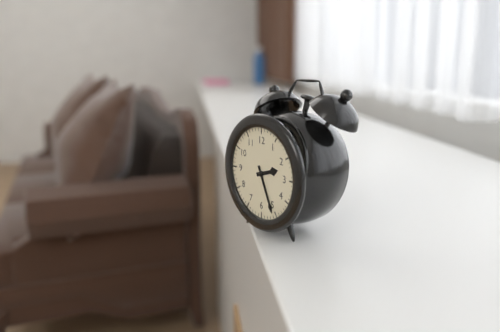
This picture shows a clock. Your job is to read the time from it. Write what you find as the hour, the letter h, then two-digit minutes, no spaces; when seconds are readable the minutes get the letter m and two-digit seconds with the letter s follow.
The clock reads 2h26
